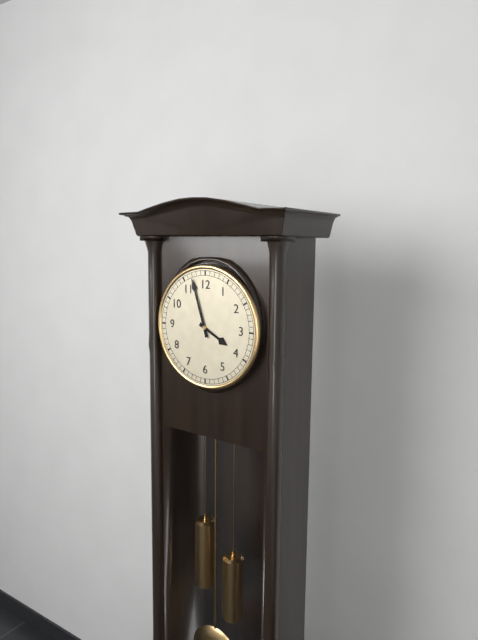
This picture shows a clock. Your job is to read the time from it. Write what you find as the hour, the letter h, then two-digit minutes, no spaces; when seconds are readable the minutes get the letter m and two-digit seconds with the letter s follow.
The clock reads 3h57
